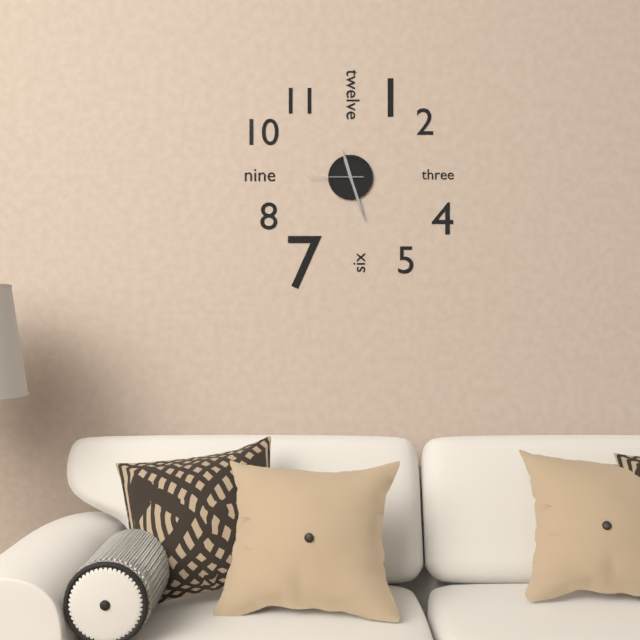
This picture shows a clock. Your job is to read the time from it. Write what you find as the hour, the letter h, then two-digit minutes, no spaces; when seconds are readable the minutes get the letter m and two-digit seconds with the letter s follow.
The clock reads 11h27m45s
